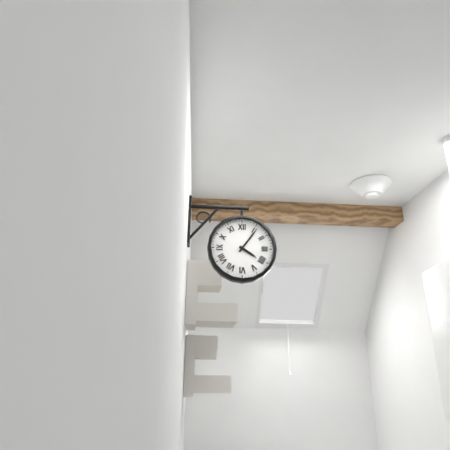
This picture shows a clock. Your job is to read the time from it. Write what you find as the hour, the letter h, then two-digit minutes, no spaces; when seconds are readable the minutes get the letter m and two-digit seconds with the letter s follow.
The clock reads 4h06
